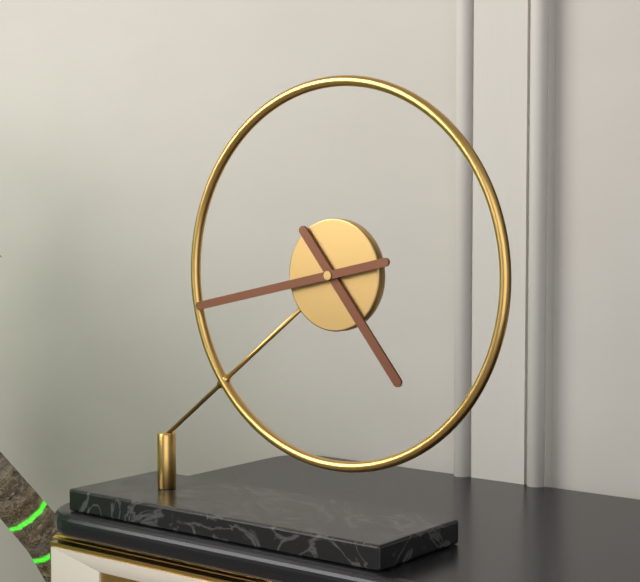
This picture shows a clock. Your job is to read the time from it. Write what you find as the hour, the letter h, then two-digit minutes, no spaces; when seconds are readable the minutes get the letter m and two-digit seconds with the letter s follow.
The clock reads 4h43
